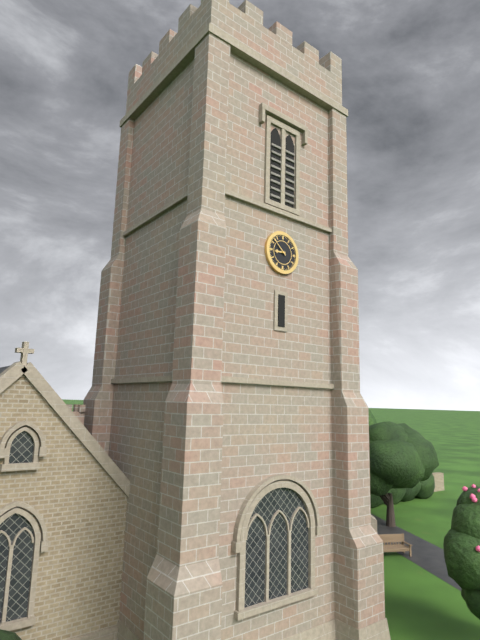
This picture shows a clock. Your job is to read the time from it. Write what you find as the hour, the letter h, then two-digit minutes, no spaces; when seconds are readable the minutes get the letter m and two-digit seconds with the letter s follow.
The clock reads 8h52
